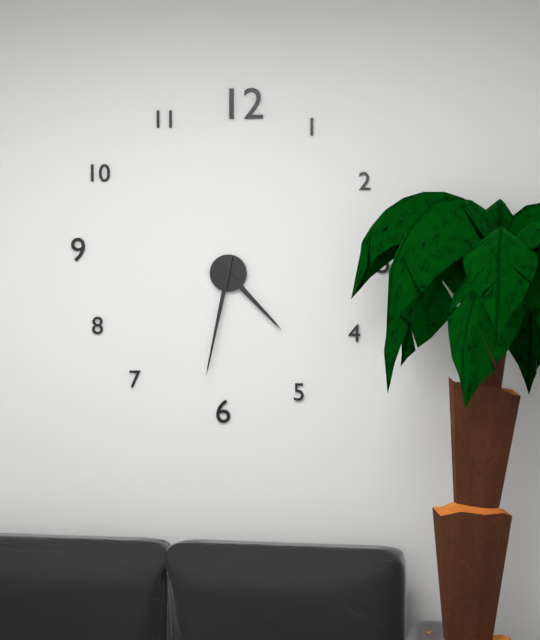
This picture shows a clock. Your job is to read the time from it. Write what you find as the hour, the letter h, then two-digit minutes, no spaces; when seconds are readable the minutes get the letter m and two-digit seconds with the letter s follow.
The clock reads 4h32
